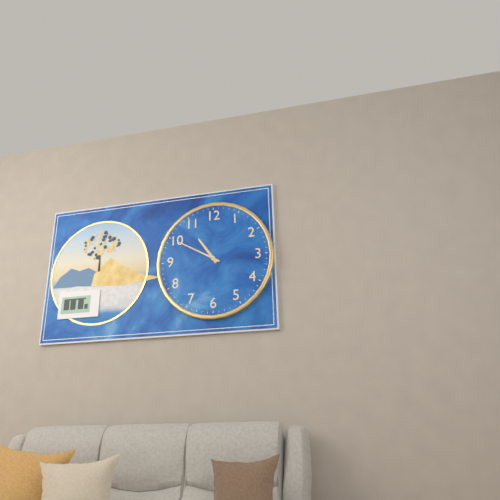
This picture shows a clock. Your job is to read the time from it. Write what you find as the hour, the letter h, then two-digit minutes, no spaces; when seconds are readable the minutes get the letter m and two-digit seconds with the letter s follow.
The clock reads 10h50
